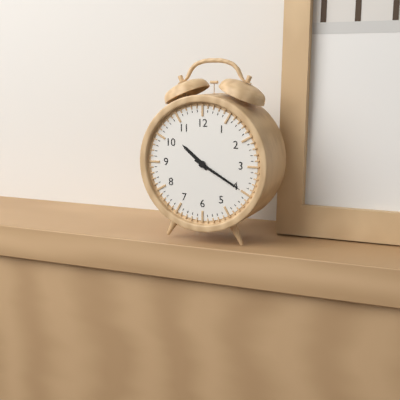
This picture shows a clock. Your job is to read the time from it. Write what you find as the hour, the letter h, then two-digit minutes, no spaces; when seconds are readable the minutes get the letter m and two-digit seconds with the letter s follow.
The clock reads 10h20
